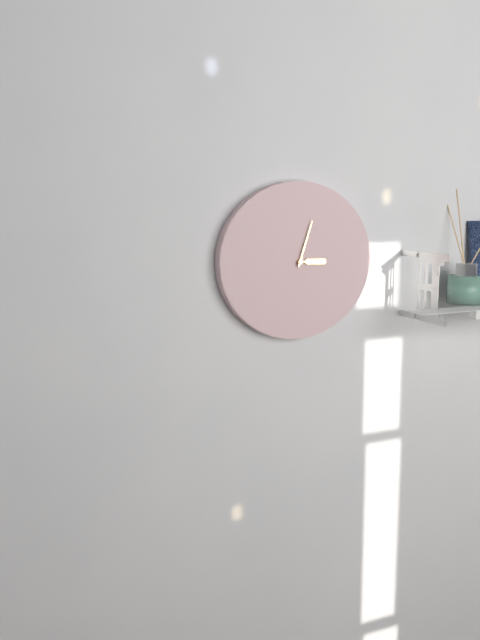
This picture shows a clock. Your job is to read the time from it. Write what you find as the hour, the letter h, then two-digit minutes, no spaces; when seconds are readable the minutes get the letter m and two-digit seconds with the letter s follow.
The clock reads 3h03
